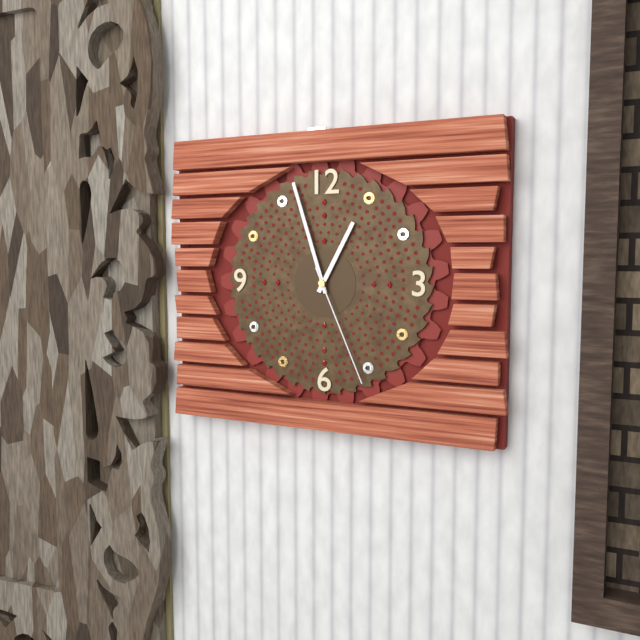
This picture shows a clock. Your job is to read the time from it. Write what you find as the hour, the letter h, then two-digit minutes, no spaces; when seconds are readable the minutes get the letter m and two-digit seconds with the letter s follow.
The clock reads 12h57m26s
